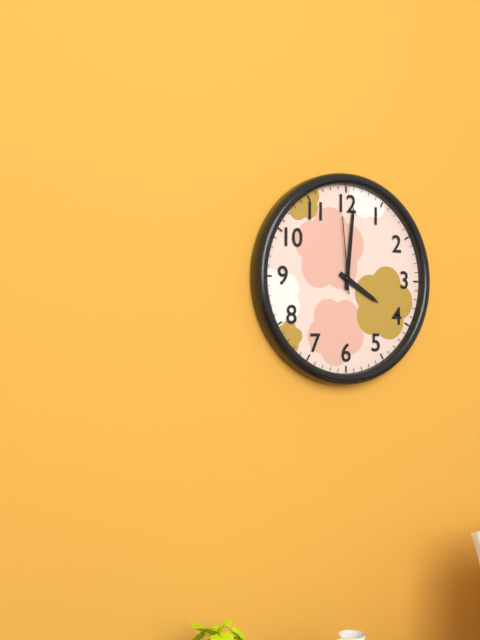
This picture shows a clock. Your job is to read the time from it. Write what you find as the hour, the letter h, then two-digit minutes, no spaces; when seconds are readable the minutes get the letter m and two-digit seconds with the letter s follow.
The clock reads 4h01m59s
